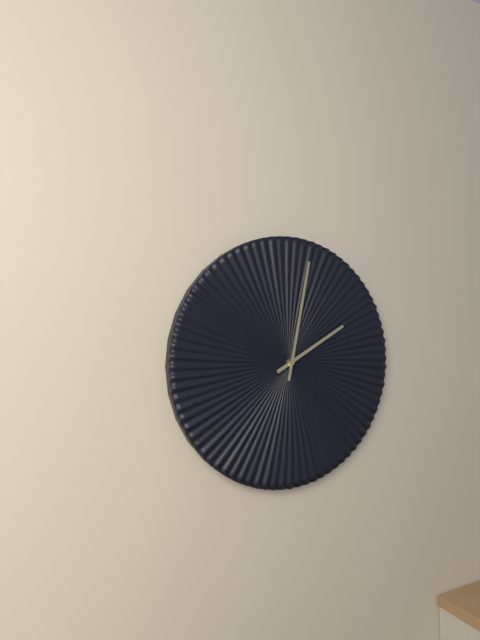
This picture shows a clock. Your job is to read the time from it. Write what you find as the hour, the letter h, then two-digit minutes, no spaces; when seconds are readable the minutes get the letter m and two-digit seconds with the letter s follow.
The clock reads 2h02
